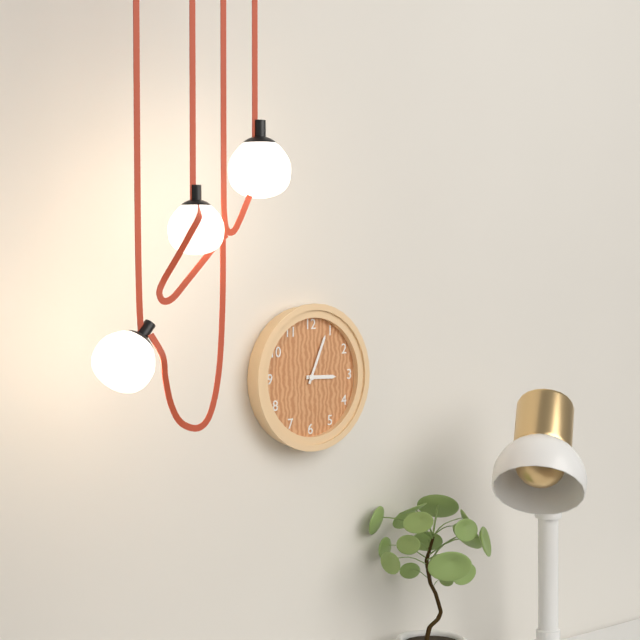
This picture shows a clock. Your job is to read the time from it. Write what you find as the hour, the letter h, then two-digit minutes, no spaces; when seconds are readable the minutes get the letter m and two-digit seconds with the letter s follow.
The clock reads 3h04
